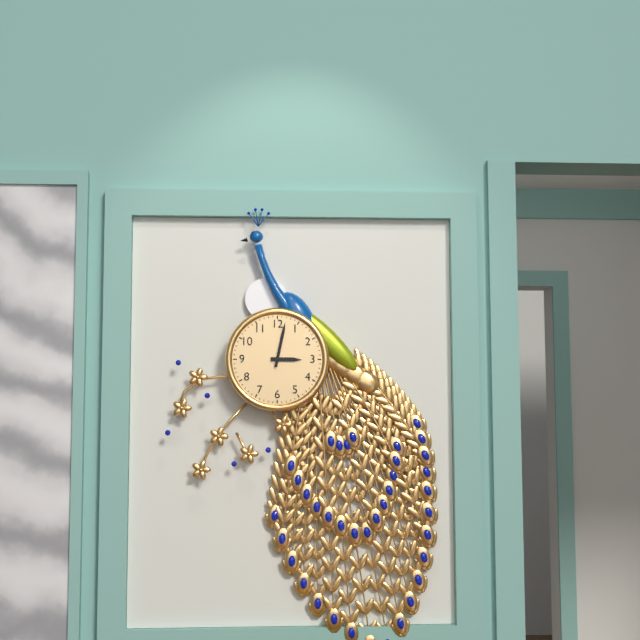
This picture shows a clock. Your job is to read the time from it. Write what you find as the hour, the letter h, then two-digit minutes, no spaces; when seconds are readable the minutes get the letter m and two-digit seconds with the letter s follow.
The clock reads 3h02
